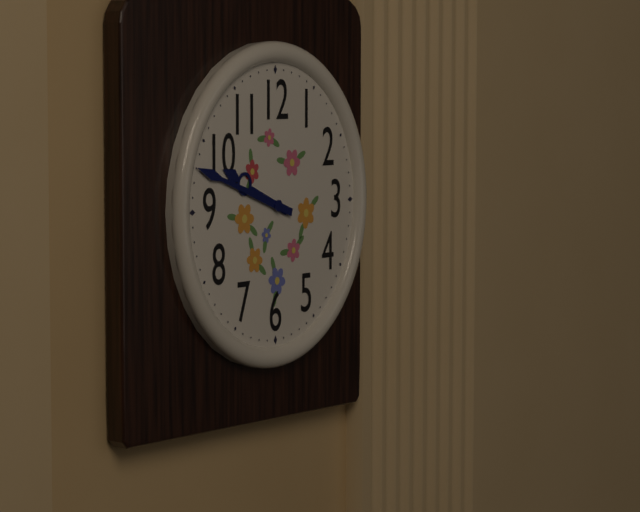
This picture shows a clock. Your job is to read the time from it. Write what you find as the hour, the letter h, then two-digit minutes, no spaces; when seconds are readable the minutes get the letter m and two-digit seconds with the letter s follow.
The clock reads 9h48
